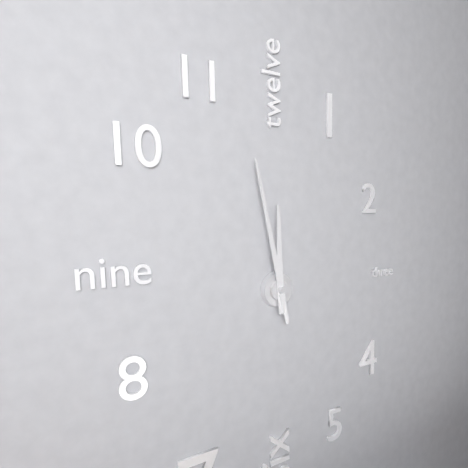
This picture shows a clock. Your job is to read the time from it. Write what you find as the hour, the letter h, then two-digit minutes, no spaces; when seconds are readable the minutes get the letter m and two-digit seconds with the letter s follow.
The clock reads 11h58
